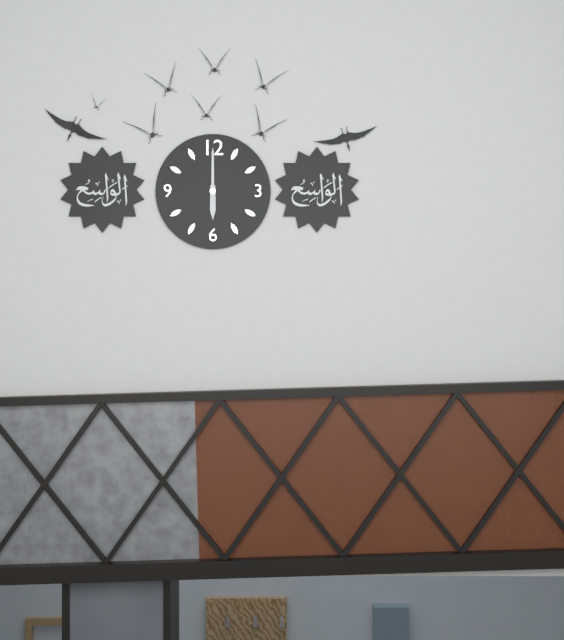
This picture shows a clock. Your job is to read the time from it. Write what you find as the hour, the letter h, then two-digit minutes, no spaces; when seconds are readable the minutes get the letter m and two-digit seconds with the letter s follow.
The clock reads 6h00
